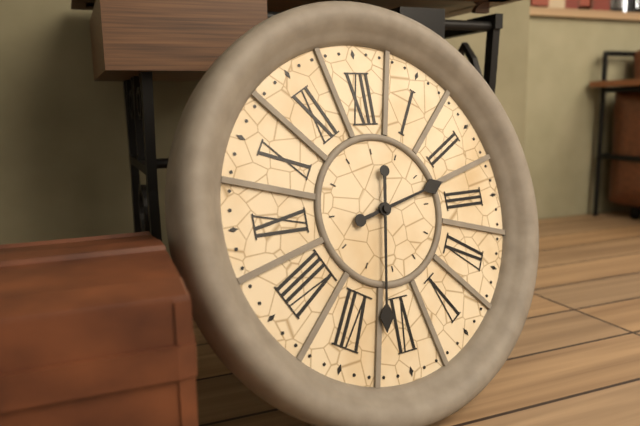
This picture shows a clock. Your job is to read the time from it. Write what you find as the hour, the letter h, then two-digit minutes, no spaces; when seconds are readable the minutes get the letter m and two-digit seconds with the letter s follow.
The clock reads 2h32
